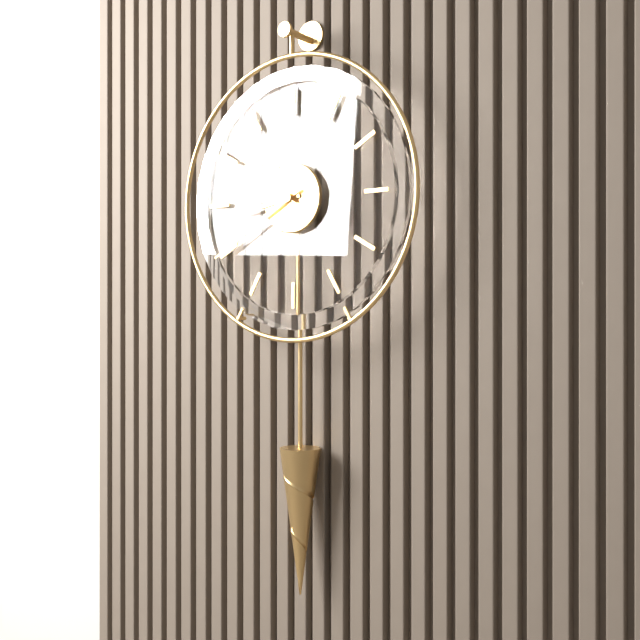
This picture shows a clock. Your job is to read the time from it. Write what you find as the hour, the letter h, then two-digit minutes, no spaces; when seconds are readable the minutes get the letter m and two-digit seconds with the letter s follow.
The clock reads 8h40m51s
